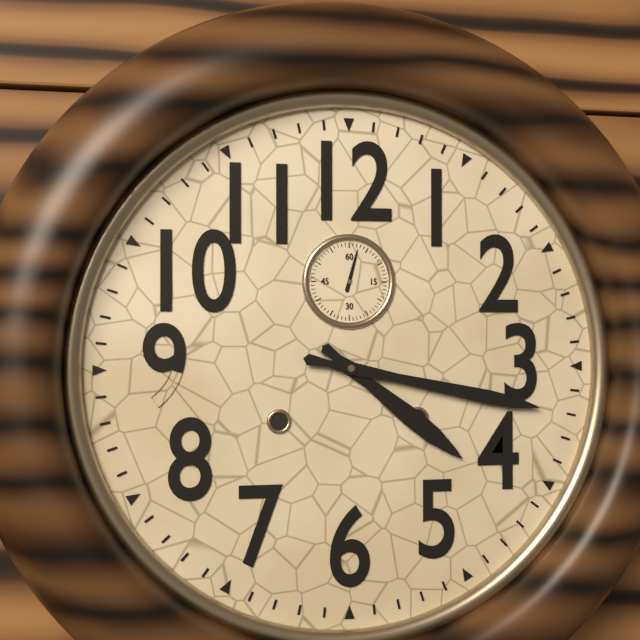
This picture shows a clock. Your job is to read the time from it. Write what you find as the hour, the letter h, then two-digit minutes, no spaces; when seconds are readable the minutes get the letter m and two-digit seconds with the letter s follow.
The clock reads 4h17
